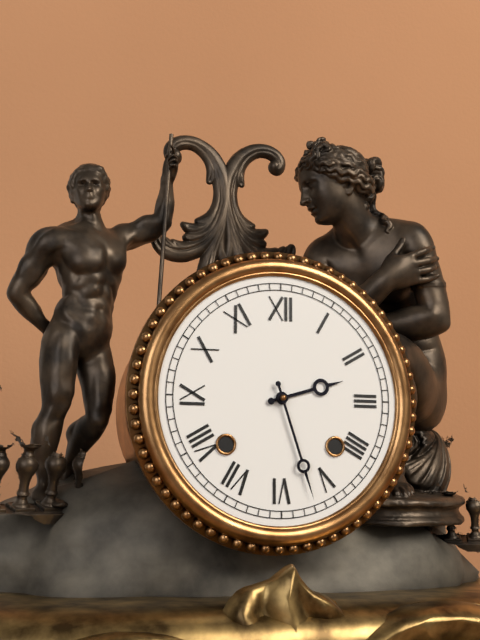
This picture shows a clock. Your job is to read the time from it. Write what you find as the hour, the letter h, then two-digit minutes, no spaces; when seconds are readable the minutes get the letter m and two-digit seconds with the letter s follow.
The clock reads 2h27
